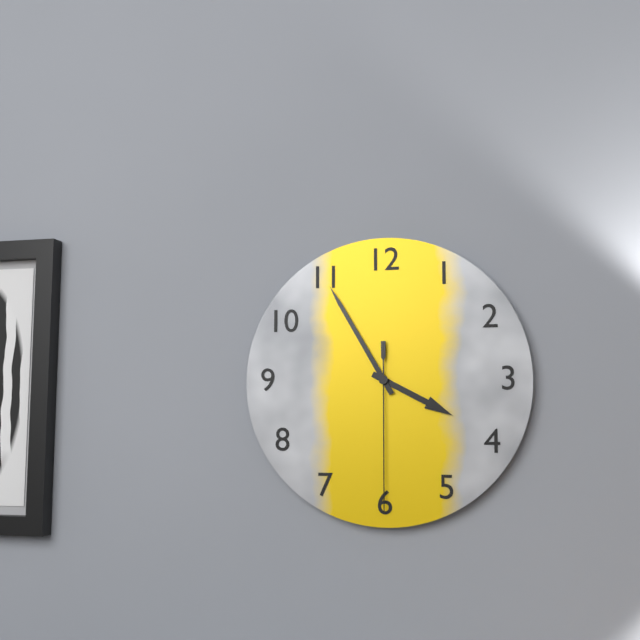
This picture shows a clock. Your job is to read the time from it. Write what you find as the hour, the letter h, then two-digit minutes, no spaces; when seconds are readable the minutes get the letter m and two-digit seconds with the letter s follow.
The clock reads 3h55m30s
